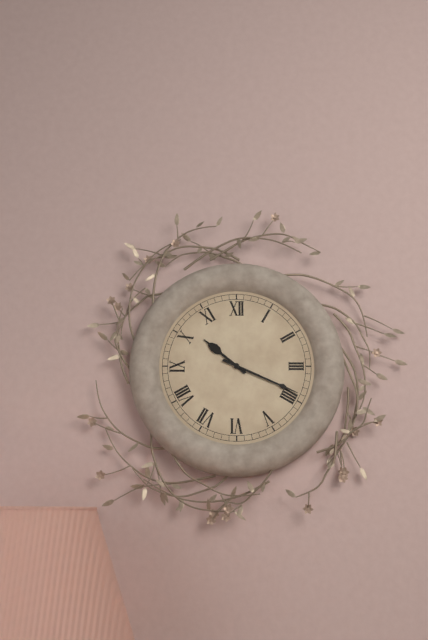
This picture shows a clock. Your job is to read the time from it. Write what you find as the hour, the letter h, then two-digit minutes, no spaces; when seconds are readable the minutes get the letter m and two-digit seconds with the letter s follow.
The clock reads 10h19
